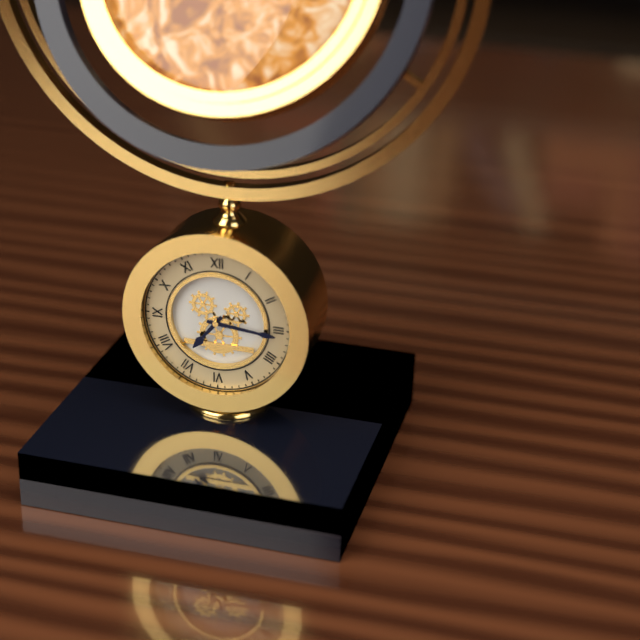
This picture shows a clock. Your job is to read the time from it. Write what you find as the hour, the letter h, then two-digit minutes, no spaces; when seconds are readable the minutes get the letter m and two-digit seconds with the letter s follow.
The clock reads 7h16
